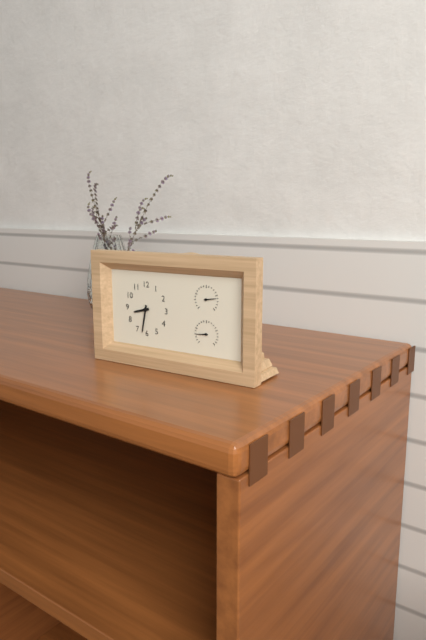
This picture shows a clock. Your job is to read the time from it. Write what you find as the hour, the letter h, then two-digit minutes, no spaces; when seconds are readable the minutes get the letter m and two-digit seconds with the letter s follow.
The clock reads 8h32
